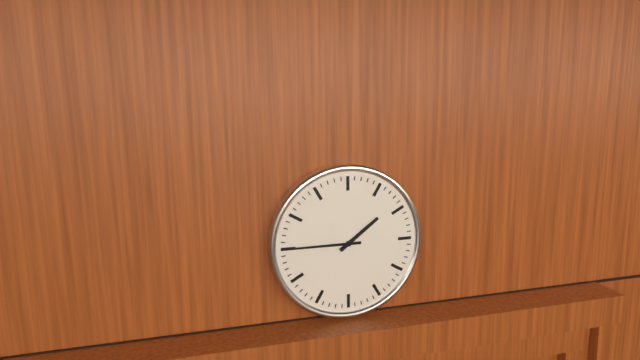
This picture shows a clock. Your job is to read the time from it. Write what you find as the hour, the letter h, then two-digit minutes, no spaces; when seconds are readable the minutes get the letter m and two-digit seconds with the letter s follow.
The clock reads 1h45
